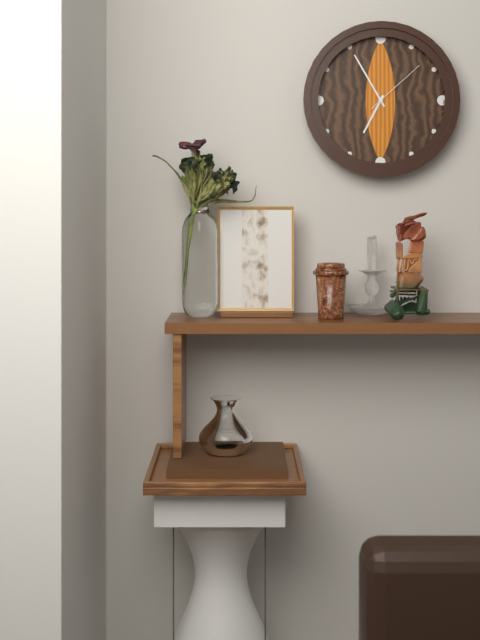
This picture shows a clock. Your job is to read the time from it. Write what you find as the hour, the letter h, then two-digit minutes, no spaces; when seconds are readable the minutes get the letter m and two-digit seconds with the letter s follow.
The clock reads 6h55m08s
